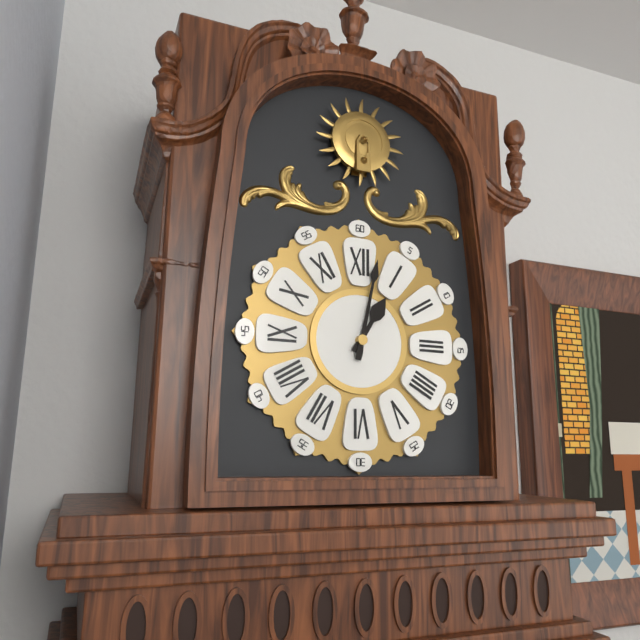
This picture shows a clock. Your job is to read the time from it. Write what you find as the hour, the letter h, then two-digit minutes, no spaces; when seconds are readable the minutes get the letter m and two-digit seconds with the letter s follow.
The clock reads 1h02
